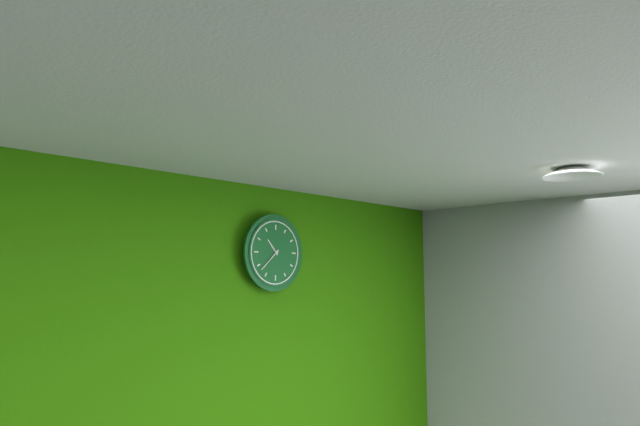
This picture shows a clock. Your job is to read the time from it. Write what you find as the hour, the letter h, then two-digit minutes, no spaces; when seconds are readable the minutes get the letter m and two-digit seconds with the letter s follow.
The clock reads 10h38
